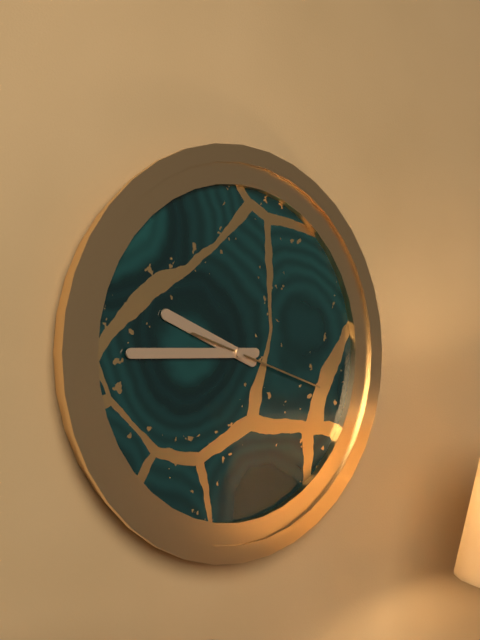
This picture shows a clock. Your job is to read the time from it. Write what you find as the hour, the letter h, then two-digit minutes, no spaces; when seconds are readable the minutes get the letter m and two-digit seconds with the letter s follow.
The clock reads 9h45m18s
